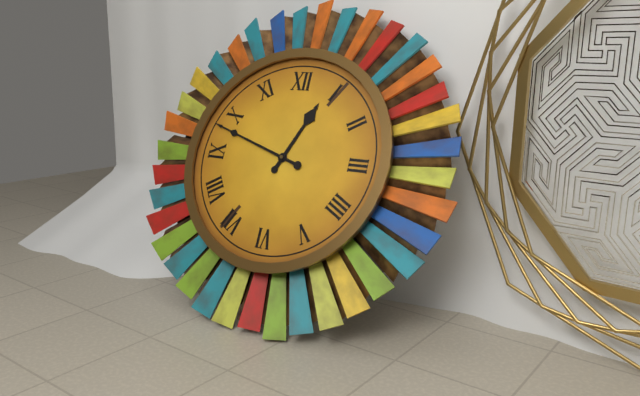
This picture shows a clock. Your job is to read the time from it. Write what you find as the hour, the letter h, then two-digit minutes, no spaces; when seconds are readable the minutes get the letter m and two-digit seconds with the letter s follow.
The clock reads 12h48
